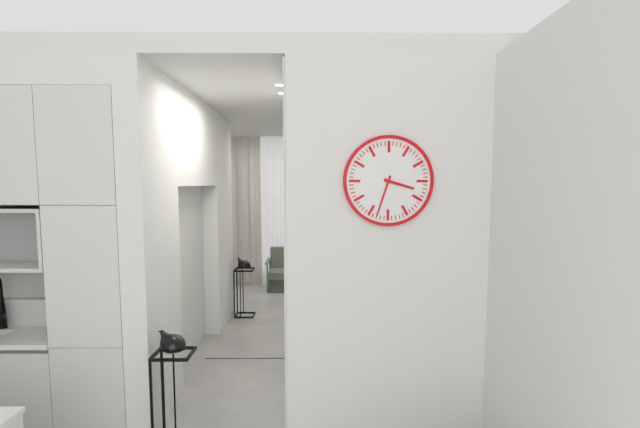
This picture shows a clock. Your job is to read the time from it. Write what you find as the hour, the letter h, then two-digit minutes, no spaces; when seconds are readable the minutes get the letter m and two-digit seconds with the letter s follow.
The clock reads 3h33
